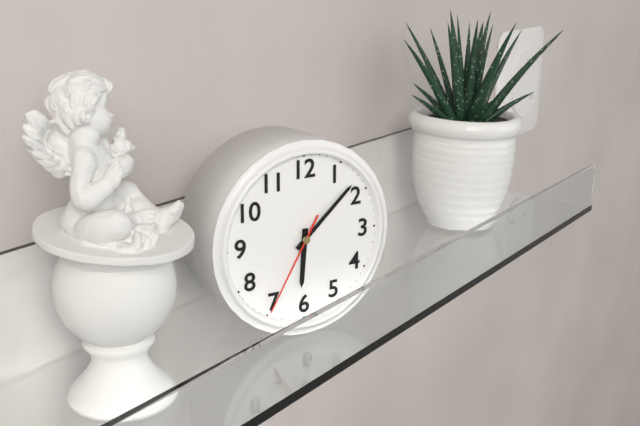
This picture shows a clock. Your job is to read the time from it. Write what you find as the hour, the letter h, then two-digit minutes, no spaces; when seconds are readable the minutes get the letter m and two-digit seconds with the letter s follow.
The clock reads 6h08m35s
